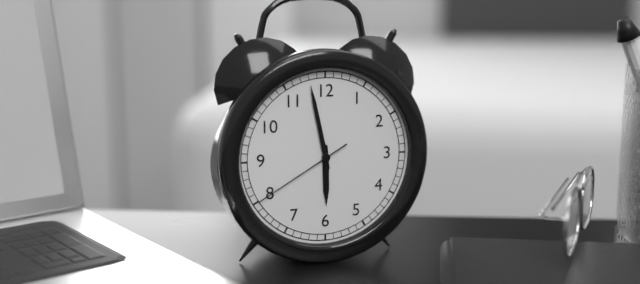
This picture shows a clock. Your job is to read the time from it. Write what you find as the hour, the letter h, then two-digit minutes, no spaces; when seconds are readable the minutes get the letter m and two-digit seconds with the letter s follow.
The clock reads 5h58m40s
